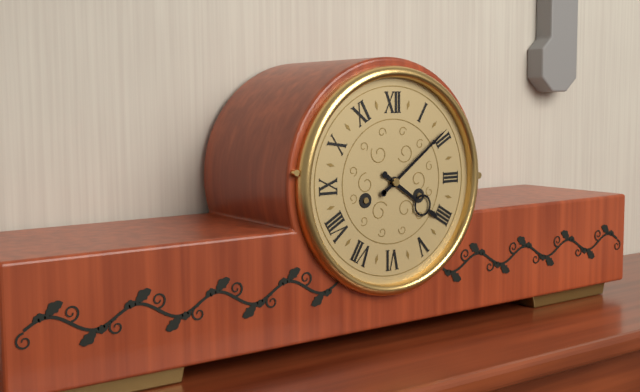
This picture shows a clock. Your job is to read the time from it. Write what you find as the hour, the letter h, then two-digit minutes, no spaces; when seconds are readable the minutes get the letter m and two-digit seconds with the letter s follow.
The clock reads 4h09
